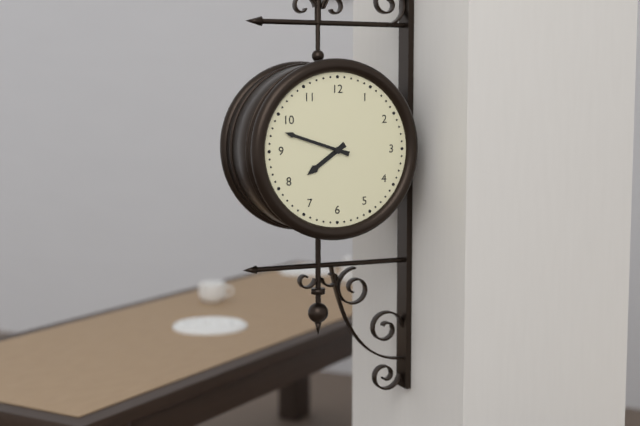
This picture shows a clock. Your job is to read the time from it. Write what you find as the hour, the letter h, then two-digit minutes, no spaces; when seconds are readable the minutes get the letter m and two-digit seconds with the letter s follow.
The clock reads 7h48
